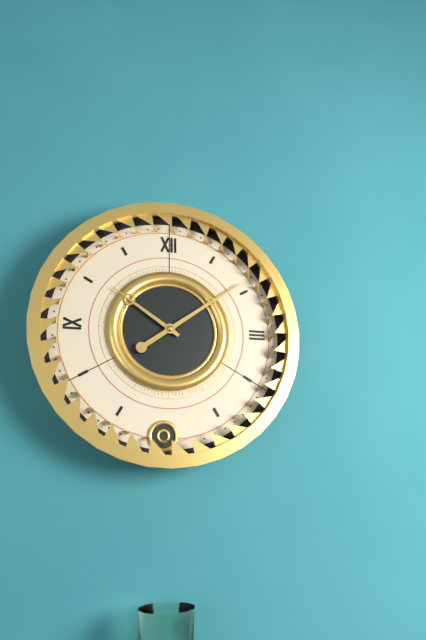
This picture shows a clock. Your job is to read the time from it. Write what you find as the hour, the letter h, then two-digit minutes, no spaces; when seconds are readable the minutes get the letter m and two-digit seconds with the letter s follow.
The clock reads 10h09
